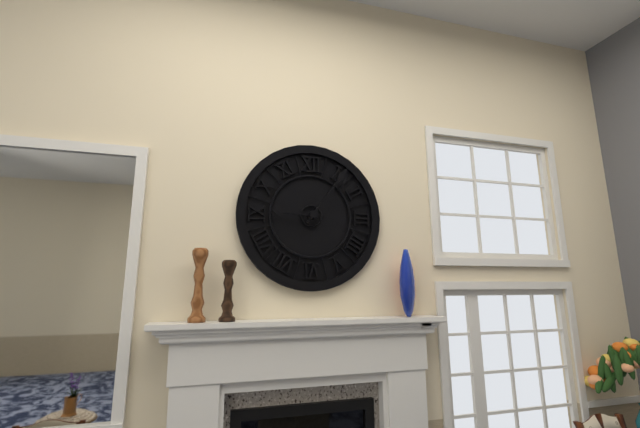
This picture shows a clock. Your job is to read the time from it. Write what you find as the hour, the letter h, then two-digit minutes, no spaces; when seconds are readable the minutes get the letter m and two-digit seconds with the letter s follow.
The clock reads 9h06
